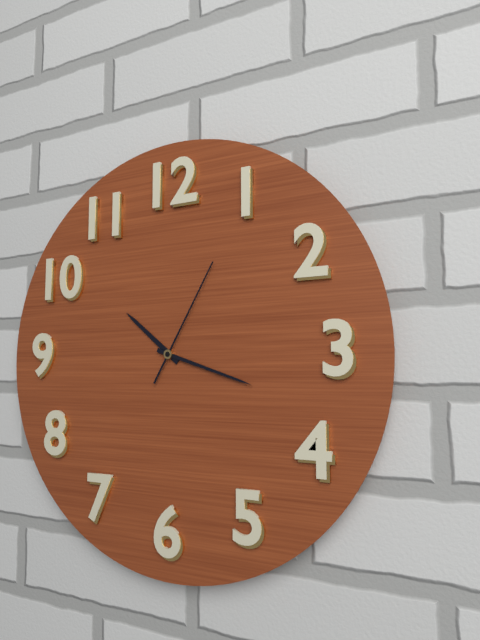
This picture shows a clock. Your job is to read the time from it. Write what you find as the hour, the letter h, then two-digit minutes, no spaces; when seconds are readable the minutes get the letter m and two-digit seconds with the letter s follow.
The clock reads 10h18m05s
